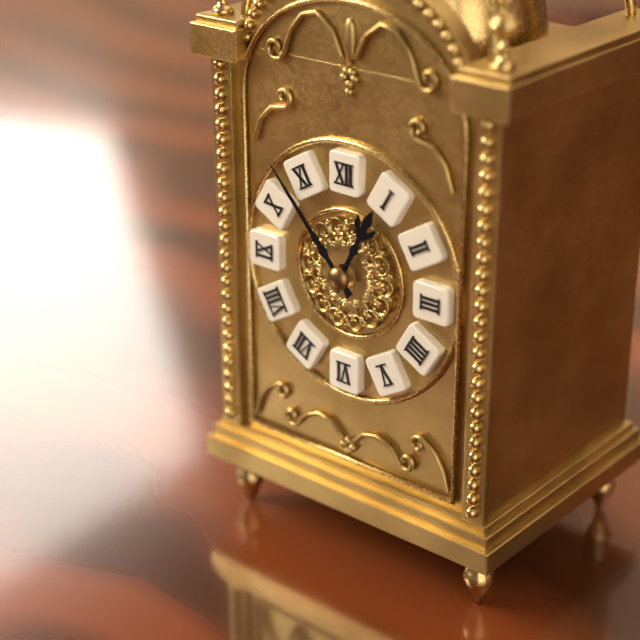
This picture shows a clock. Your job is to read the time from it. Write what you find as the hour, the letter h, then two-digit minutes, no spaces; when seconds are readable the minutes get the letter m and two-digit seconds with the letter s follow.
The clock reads 12h53
